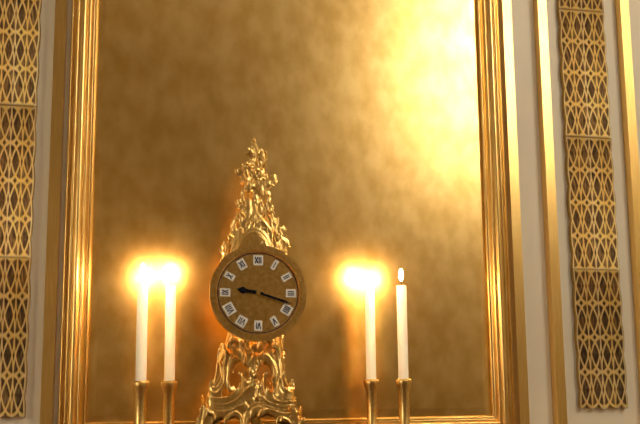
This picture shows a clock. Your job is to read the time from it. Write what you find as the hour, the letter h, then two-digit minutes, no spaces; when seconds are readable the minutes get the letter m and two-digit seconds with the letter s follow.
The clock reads 9h18
